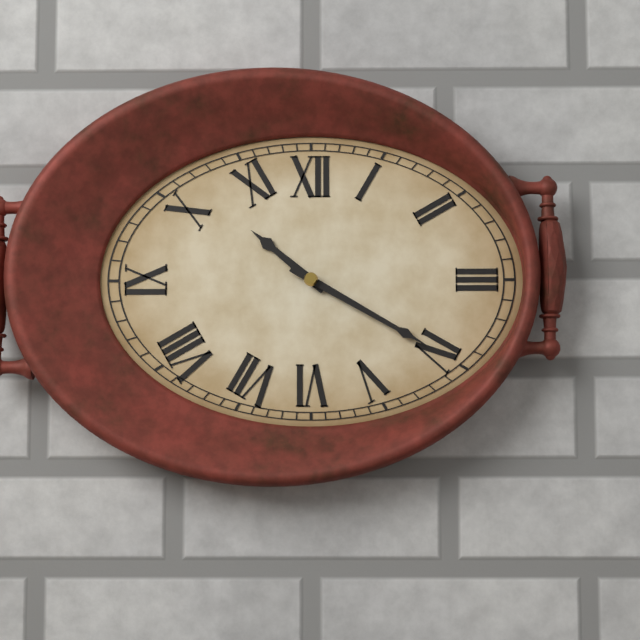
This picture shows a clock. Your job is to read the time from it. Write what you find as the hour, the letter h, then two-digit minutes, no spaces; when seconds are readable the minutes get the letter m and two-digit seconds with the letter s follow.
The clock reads 10h20
